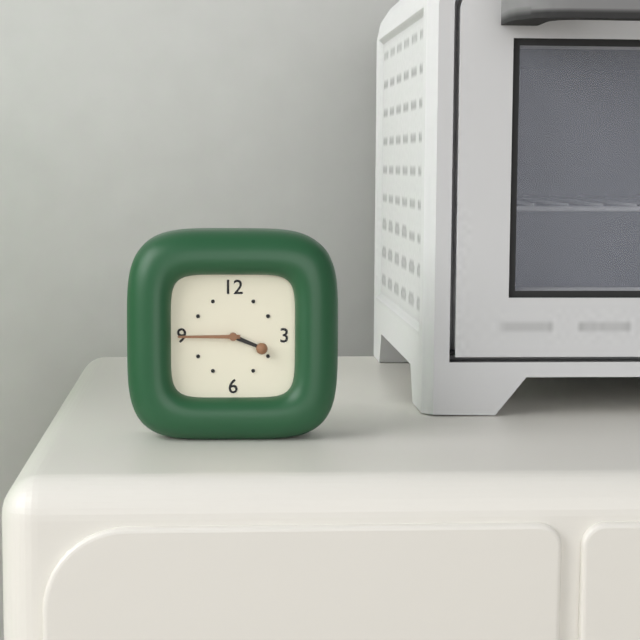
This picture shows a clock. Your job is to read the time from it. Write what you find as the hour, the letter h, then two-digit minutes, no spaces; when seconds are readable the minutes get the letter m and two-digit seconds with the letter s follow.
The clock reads 3h45
